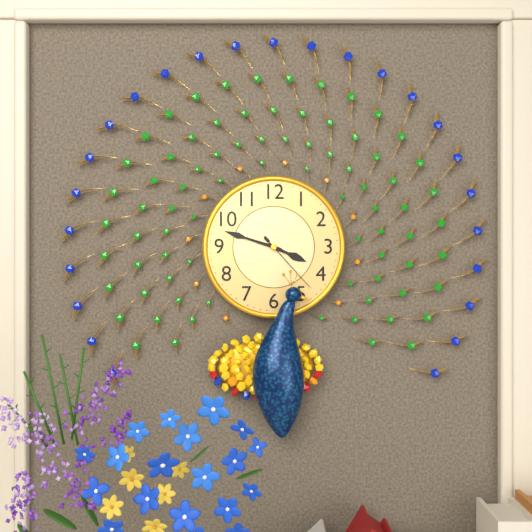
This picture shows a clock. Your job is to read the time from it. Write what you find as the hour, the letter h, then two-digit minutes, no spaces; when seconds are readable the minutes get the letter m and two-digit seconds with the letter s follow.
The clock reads 3h48m23s
